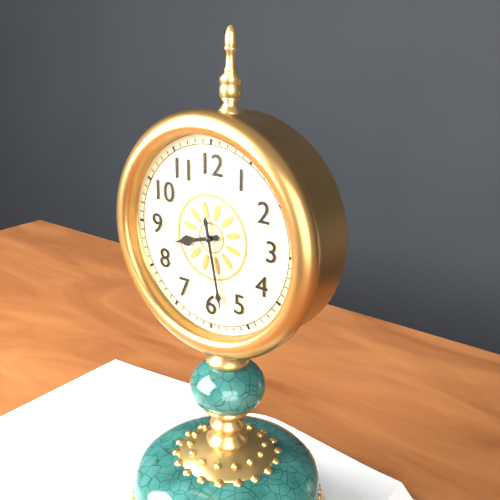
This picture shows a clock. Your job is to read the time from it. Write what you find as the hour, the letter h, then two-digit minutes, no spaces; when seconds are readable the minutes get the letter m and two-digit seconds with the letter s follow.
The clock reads 8h28
